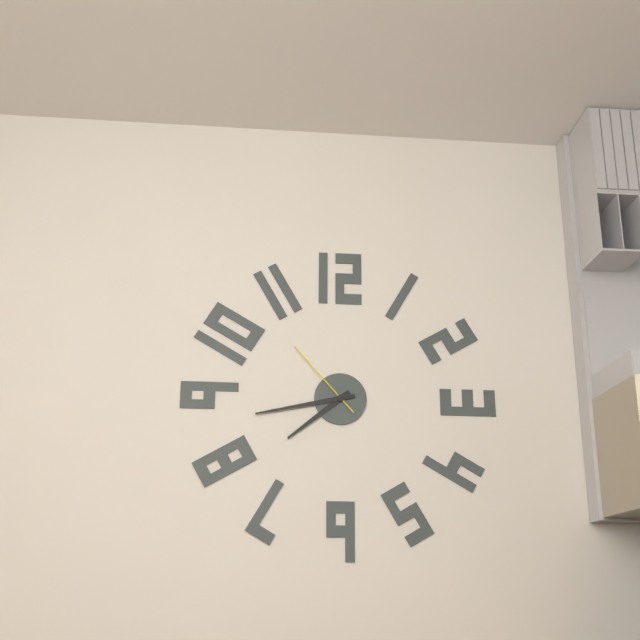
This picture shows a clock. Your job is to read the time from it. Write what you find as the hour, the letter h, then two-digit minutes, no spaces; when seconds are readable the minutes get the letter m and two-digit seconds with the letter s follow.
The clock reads 7h43m53s
